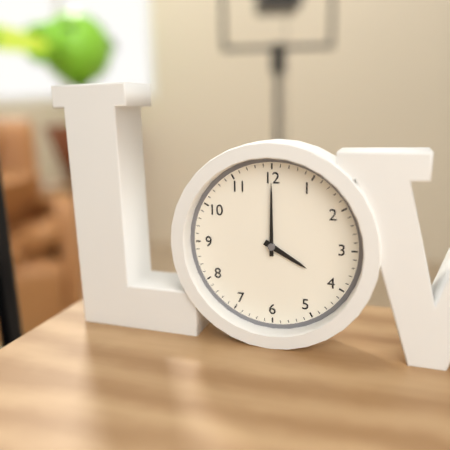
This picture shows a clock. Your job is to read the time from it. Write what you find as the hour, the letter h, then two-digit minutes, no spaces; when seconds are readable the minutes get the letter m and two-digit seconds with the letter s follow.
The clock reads 4h00
